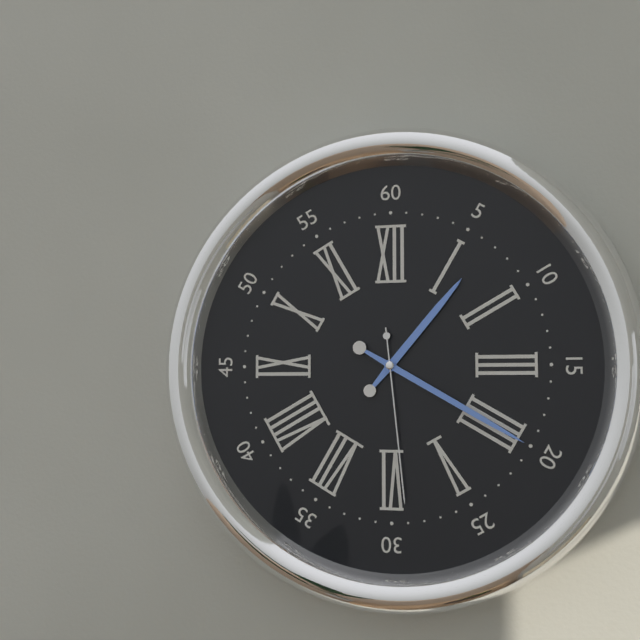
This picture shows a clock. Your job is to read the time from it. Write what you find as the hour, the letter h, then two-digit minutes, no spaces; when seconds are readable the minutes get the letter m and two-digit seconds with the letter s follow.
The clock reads 1h20m29s
